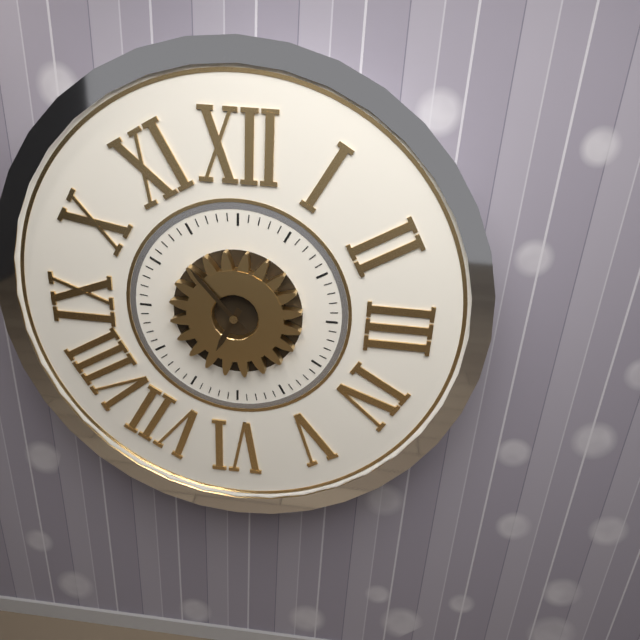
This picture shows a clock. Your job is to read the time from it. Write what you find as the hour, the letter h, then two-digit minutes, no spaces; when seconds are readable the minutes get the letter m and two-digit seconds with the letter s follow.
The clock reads 6h53
